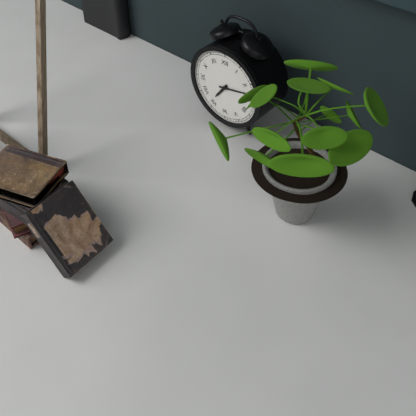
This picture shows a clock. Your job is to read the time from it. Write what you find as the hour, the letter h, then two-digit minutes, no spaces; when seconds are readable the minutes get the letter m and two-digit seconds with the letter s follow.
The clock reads 7h13
